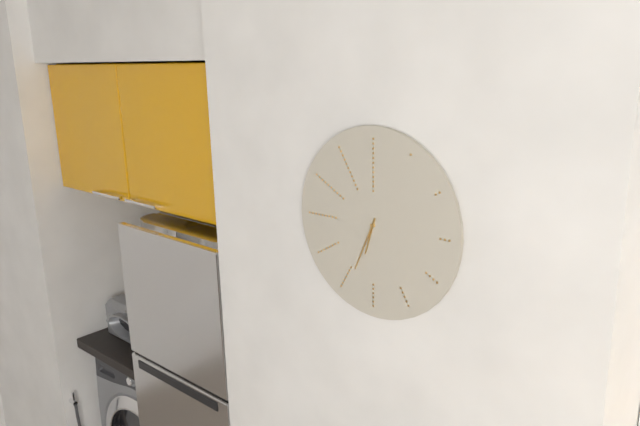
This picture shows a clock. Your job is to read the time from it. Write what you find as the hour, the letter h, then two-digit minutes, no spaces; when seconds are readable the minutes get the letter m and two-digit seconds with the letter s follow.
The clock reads 6h34
